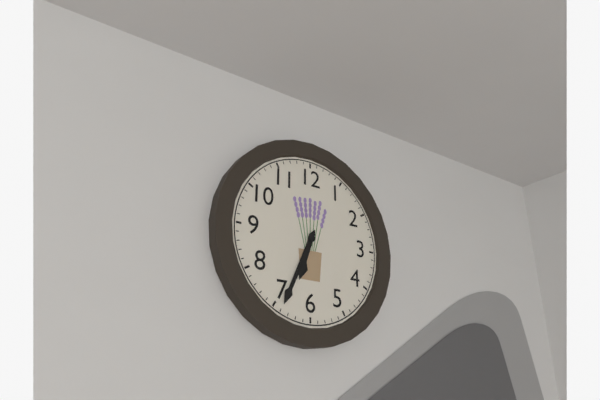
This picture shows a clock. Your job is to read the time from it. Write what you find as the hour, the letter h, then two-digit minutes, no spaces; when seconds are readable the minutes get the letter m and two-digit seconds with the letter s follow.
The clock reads 6h34
